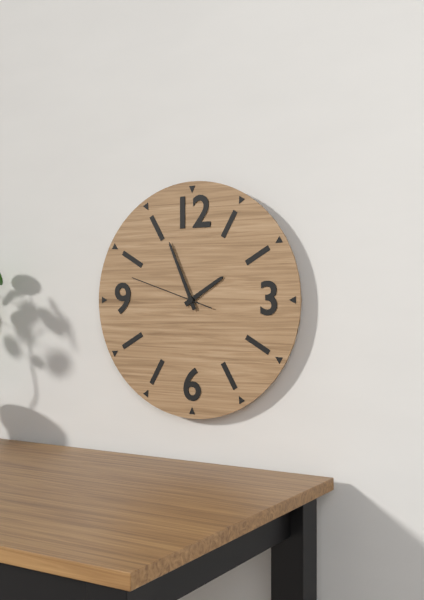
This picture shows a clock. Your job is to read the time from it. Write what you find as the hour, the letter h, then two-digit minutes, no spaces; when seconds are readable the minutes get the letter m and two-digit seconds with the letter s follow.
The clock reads 1h56m48s
